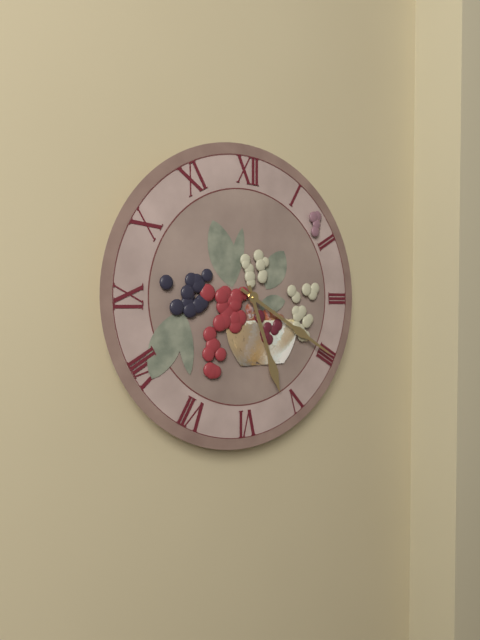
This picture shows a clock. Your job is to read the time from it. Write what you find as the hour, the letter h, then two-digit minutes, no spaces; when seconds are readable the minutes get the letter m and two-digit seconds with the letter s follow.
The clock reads 5h20
